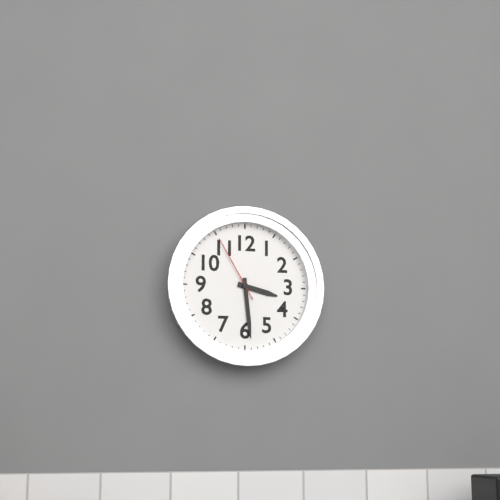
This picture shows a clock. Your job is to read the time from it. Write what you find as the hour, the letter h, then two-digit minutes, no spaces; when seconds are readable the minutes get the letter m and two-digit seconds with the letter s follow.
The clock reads 3h29m55s
